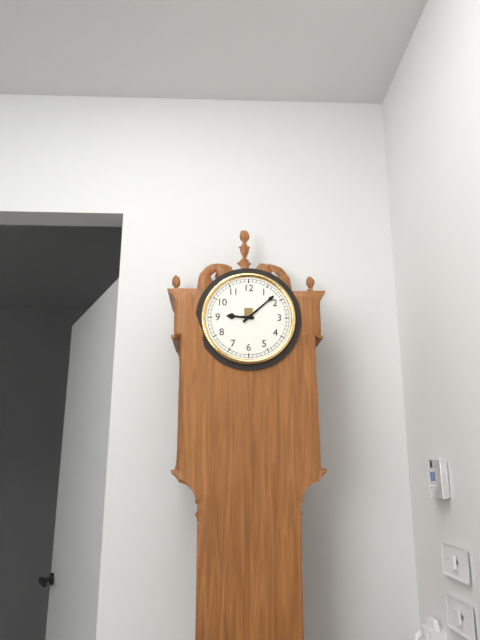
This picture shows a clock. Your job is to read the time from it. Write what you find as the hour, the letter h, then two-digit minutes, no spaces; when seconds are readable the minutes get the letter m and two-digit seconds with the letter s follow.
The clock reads 9h08
